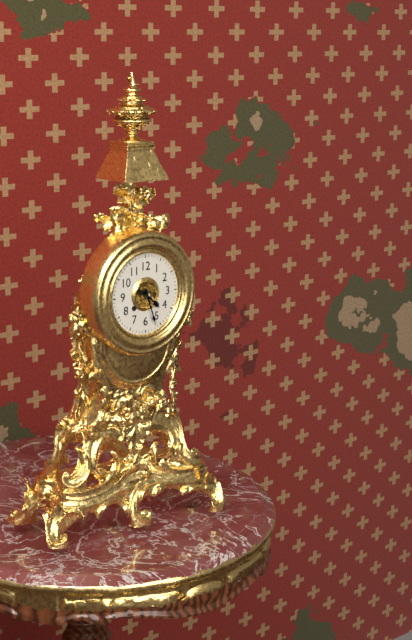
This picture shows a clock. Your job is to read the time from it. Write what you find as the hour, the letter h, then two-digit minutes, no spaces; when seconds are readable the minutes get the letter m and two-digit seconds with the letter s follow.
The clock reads 4h27
